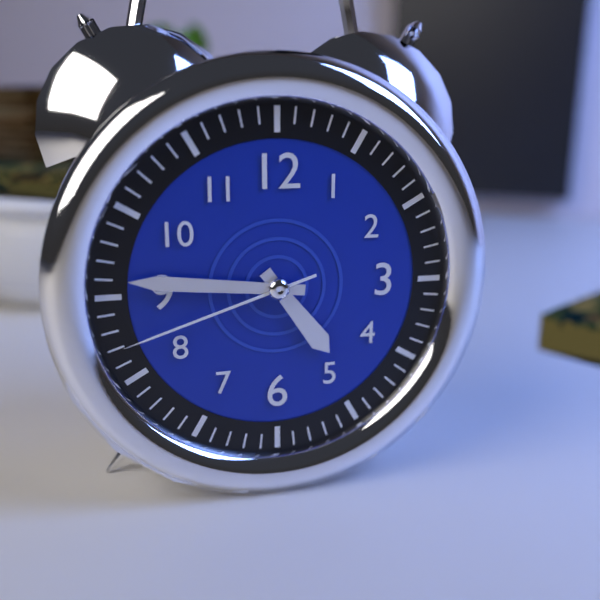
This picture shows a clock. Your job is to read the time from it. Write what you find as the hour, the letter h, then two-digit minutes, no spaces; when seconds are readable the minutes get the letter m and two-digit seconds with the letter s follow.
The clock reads 4h46m42s
